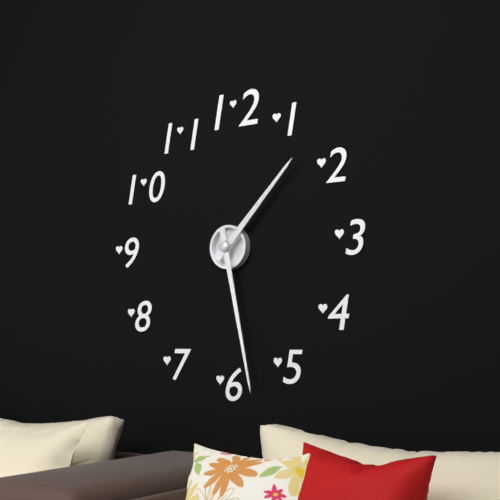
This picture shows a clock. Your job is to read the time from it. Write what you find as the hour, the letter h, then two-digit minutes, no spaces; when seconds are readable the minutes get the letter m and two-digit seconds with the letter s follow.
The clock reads 1h28
